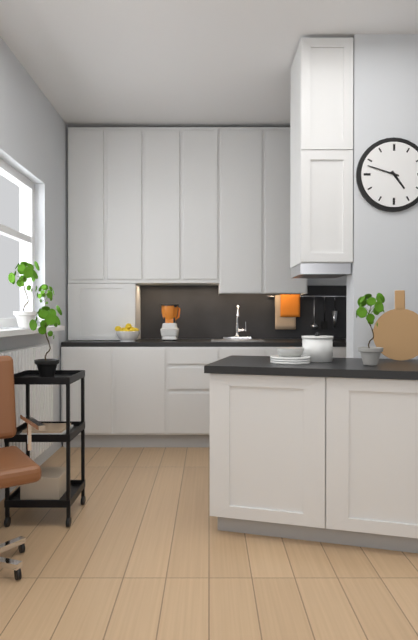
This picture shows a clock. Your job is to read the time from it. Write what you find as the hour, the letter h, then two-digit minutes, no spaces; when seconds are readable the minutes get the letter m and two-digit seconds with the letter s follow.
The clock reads 4h48
